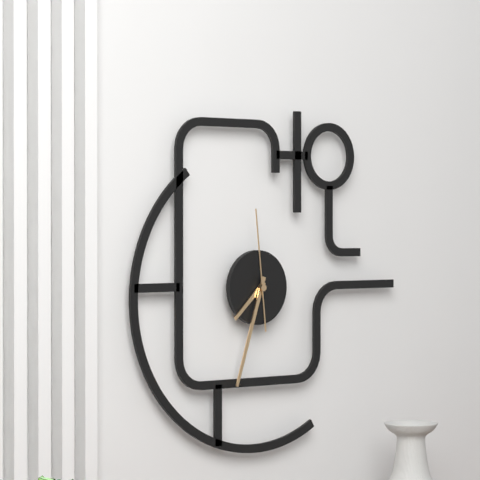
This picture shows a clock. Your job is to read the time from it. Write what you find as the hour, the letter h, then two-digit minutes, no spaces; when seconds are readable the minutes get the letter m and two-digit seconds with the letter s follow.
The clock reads 7h33m59s
